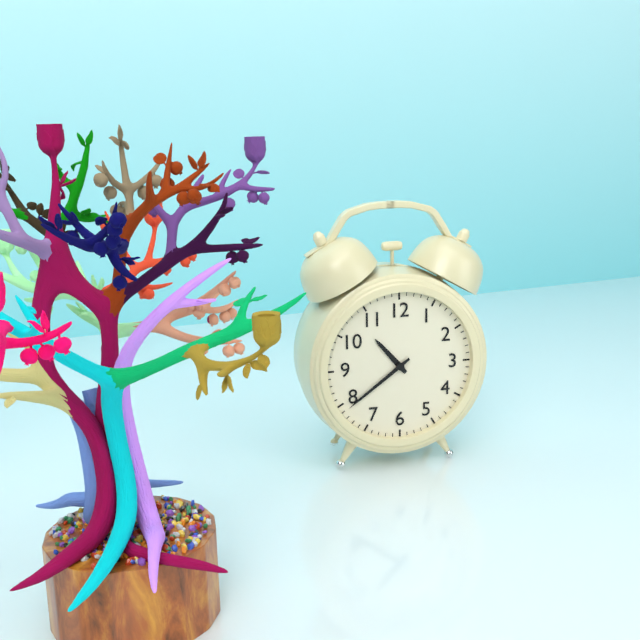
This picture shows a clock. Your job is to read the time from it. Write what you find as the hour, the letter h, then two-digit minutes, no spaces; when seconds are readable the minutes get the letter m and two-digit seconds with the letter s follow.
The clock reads 10h39
